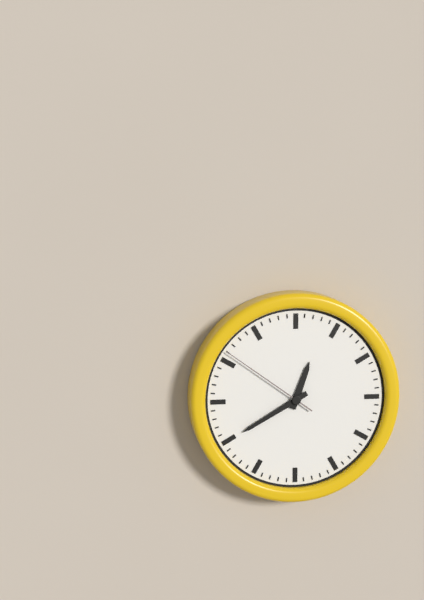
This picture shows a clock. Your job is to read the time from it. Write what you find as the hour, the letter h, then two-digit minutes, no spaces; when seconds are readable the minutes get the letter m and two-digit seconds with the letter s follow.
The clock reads 12h40m51s
